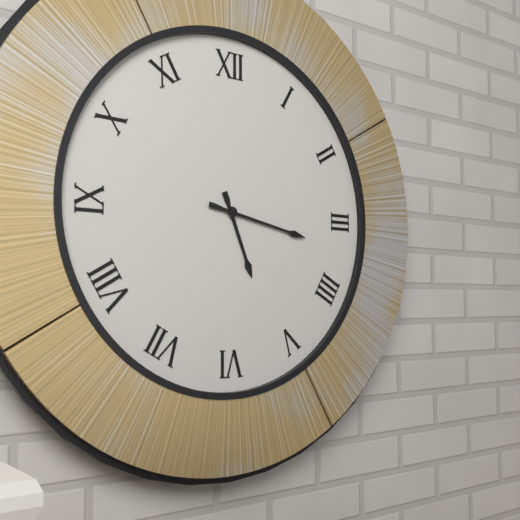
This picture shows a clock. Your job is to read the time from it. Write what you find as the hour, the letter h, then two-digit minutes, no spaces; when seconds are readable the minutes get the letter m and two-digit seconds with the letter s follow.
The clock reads 5h17
